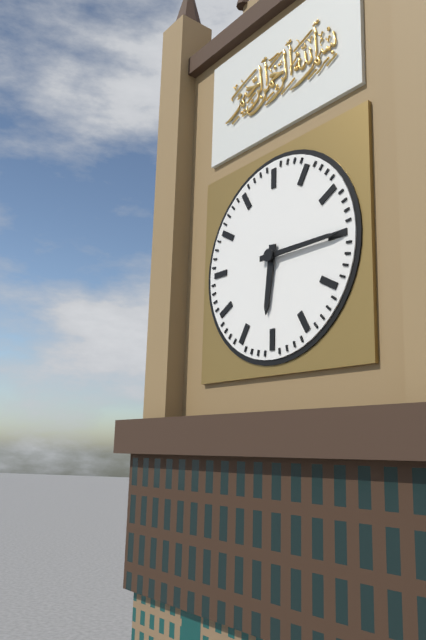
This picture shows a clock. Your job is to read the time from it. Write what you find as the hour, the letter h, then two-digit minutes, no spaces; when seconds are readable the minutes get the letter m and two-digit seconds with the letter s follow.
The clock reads 6h15
